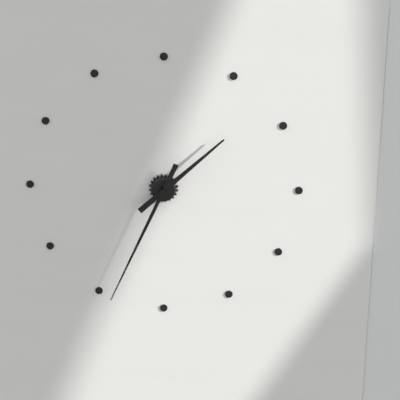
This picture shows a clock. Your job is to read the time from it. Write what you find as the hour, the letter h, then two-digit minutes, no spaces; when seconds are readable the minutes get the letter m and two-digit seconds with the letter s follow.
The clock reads 1h34
